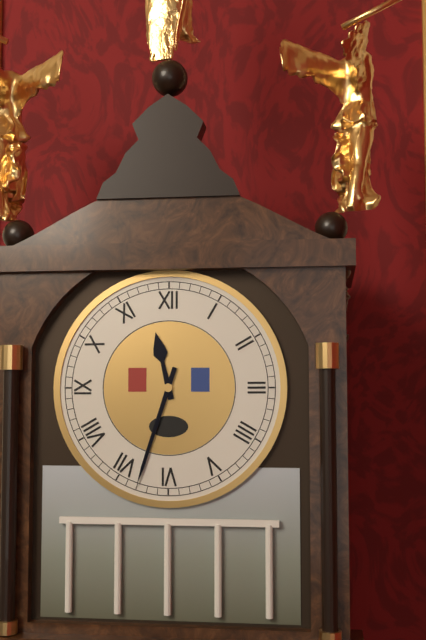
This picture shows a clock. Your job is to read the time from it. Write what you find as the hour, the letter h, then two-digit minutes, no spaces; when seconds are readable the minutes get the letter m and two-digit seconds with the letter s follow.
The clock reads 11h33
